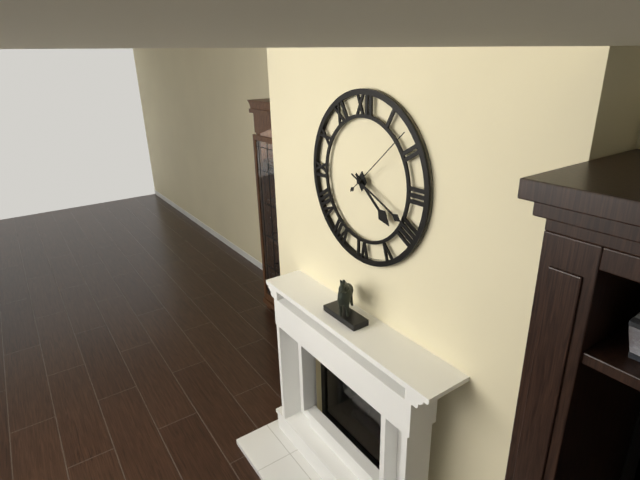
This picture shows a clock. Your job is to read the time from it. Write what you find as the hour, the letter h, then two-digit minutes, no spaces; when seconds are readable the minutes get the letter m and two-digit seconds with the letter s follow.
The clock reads 4h19m08s
